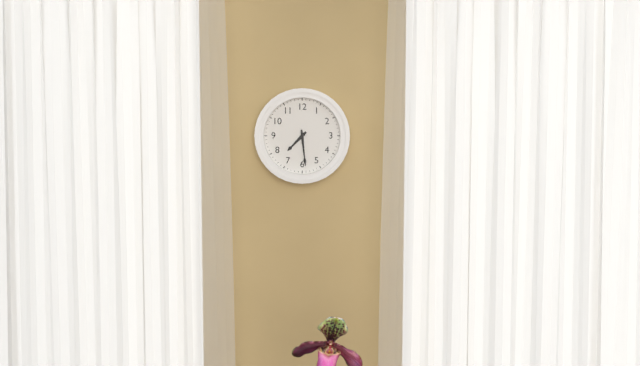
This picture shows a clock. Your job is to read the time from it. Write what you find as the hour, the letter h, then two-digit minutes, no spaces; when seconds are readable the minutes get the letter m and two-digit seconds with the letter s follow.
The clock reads 7h29
